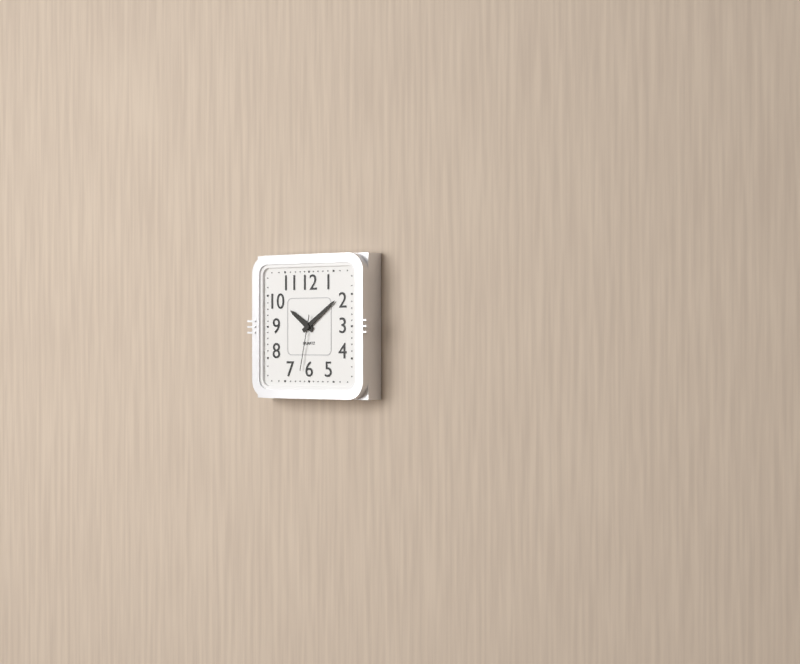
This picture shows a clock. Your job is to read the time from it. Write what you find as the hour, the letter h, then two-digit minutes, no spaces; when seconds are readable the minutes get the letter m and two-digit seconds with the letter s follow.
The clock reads 10h09m32s
